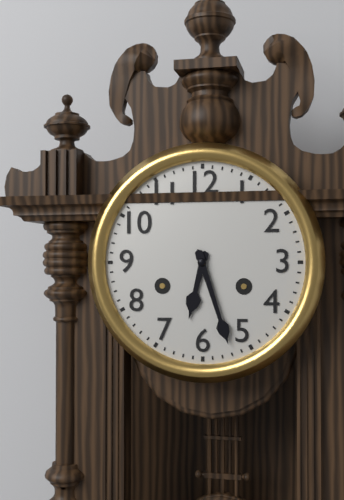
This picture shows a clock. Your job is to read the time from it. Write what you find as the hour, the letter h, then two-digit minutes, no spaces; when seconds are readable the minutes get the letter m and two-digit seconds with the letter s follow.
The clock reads 6h27
